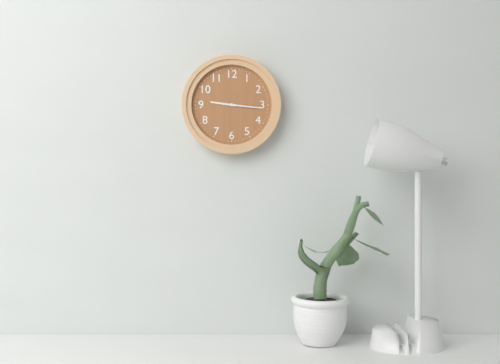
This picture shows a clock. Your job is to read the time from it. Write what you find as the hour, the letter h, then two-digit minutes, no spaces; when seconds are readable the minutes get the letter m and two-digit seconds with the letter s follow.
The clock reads 9h16
